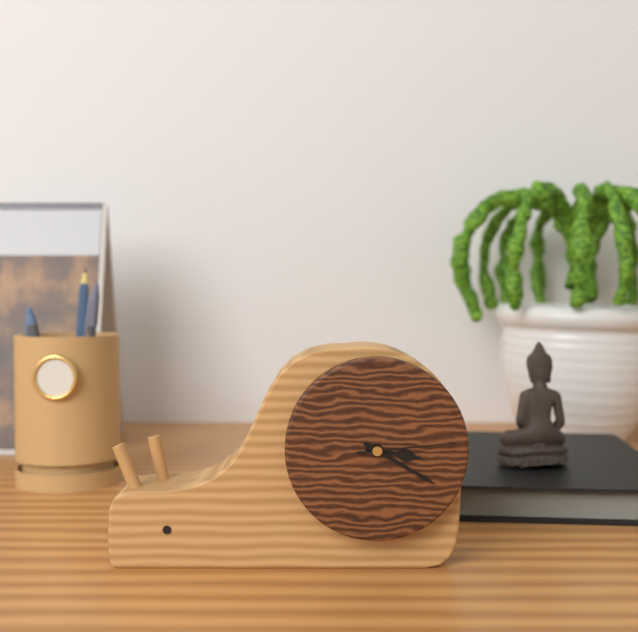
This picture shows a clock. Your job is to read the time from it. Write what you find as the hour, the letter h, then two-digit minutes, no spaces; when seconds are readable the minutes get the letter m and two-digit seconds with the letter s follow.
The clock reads 3h20m14s
